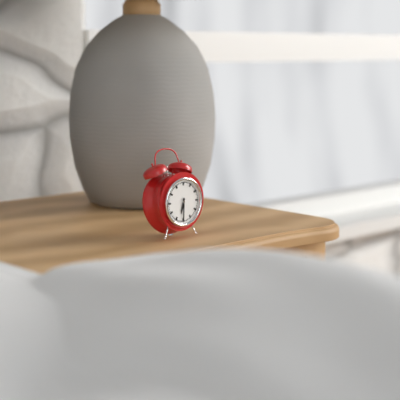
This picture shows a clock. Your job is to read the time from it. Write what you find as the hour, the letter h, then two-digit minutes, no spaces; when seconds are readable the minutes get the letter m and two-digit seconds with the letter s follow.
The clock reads 6h30
